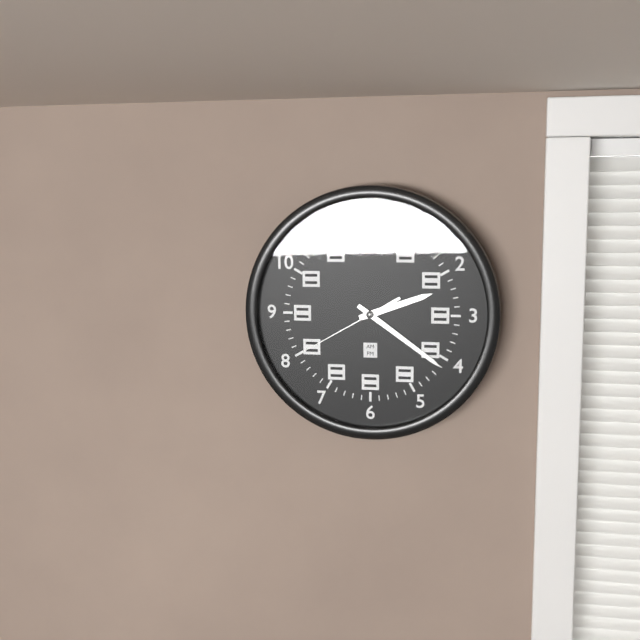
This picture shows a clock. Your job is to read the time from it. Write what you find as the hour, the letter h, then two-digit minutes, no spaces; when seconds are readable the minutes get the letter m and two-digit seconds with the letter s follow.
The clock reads 2h21m40s
